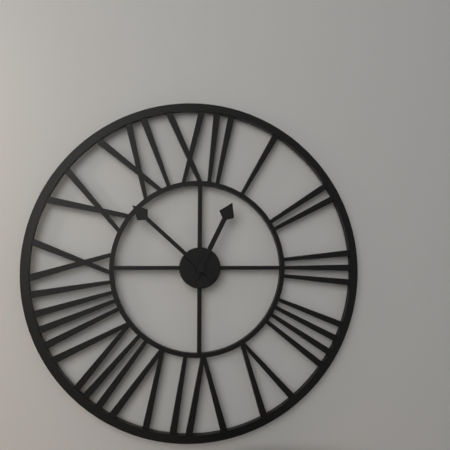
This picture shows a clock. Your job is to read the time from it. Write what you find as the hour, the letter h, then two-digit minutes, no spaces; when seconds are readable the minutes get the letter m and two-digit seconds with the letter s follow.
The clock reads 12h52
